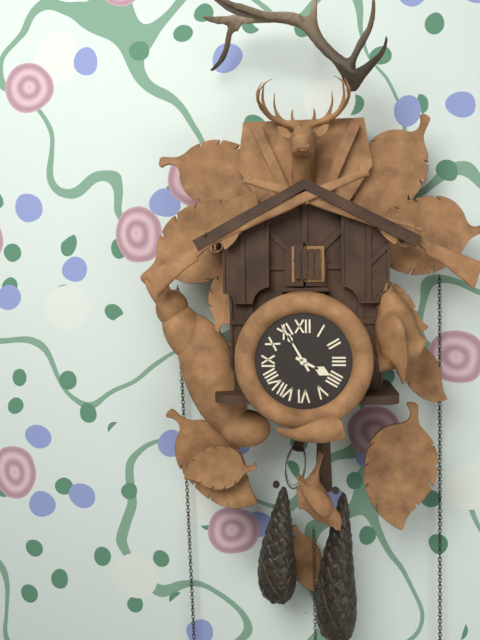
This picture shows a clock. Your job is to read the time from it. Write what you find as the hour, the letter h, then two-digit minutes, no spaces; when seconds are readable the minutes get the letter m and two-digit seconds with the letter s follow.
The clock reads 3h55
